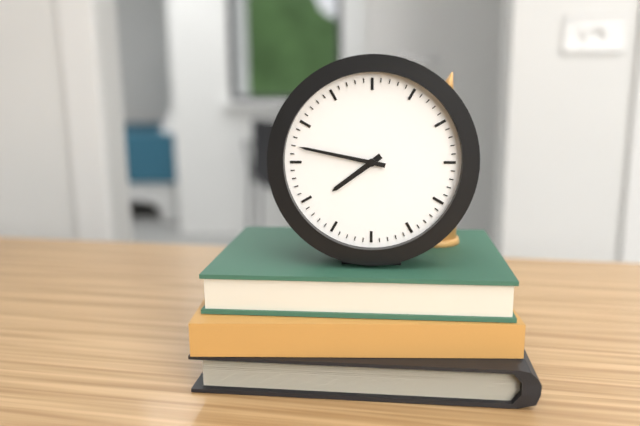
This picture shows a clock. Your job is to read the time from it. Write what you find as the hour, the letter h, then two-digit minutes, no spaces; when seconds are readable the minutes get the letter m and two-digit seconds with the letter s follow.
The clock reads 7h47
